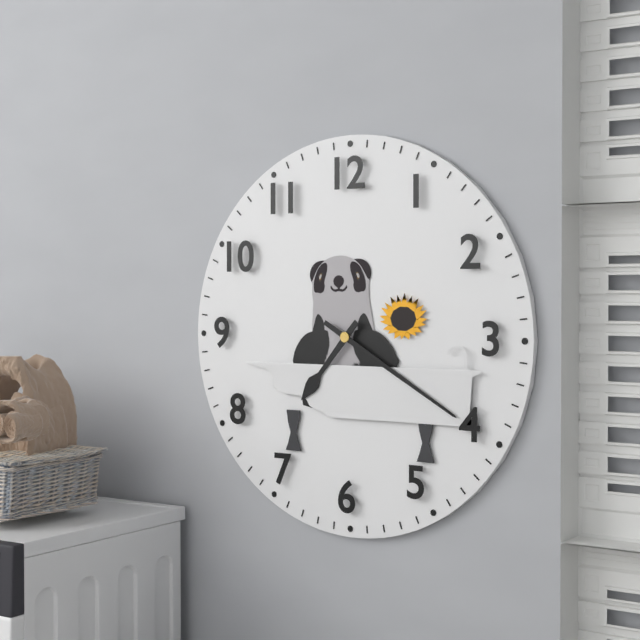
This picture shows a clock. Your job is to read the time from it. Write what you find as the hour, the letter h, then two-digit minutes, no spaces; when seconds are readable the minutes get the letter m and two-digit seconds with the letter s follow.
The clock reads 7h20
